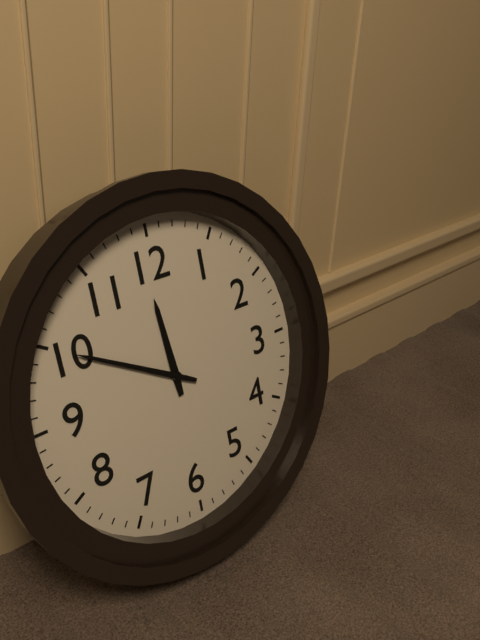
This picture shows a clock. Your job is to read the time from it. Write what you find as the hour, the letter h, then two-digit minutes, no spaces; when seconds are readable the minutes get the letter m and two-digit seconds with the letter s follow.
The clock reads 11h50
